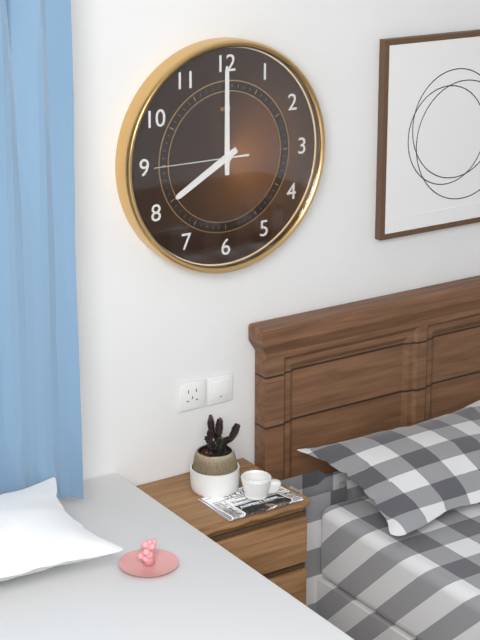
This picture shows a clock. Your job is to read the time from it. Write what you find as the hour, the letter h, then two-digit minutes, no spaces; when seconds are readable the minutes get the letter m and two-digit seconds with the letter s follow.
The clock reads 8h00m45s
